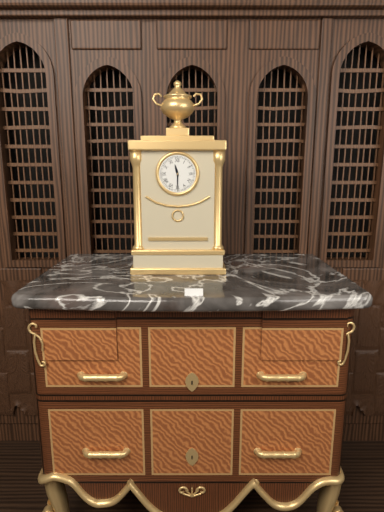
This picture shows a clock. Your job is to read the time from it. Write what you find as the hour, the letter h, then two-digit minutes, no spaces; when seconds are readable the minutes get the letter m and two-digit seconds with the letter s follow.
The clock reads 11h30
